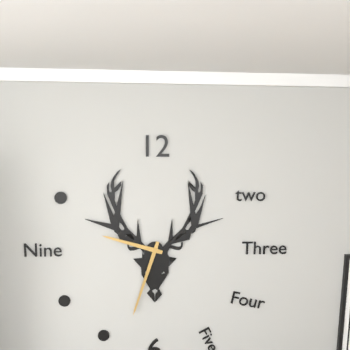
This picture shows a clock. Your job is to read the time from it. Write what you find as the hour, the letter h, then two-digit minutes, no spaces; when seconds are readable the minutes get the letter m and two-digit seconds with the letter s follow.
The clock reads 9h33
